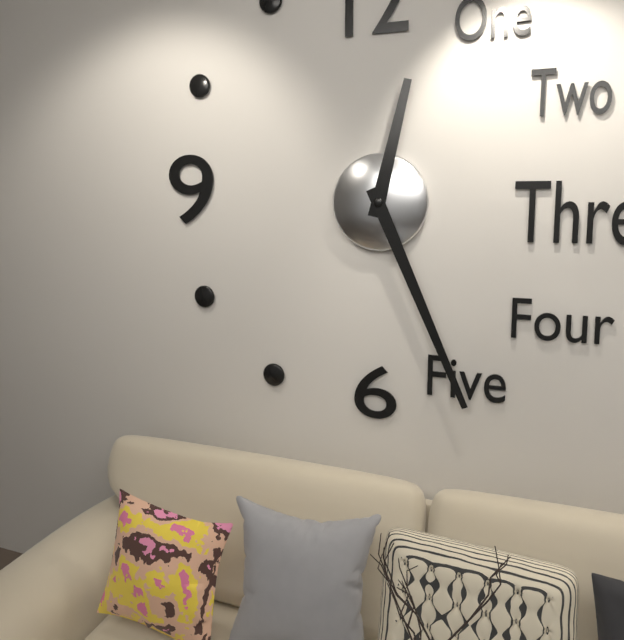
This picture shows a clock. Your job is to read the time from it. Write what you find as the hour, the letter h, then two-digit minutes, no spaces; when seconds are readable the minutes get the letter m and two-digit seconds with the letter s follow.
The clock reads 12h26
